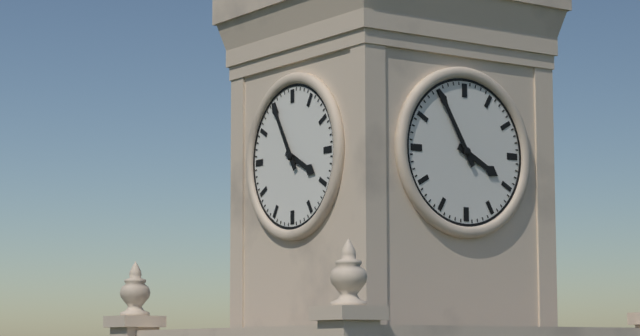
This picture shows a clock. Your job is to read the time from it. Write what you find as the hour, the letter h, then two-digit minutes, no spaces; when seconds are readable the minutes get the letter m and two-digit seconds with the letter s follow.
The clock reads 3h55
